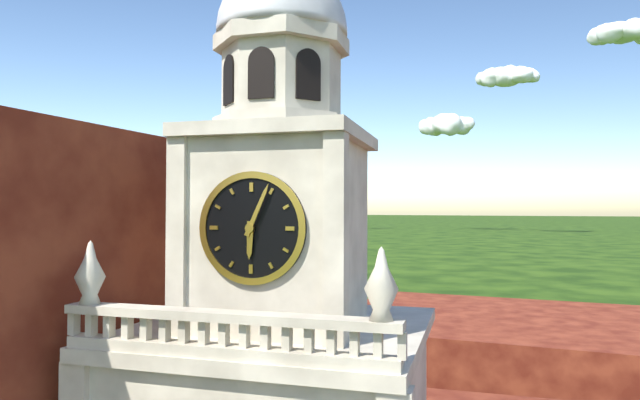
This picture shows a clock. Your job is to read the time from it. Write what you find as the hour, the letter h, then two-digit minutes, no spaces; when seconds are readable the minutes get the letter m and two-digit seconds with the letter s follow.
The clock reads 6h04
